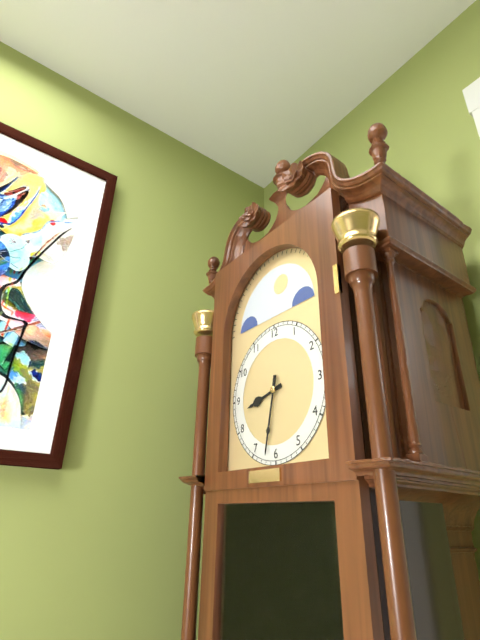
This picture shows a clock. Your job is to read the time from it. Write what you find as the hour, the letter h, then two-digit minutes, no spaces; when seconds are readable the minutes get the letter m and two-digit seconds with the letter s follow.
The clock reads 8h32
